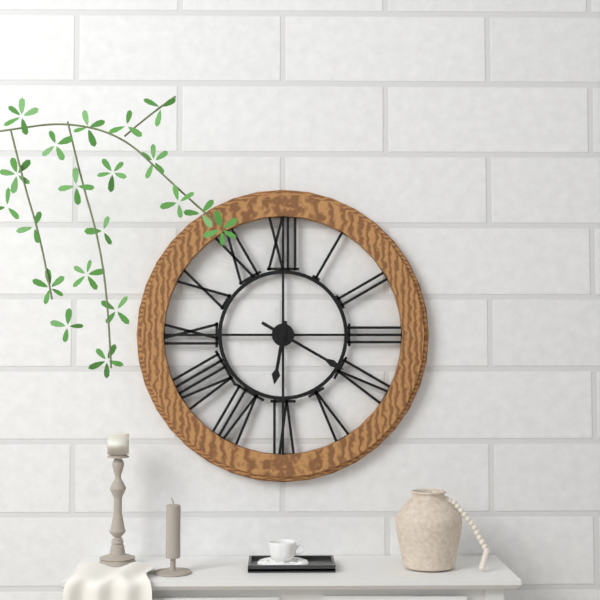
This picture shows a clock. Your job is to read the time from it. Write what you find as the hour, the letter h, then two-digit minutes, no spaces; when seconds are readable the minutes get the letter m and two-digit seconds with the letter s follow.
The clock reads 6h20
